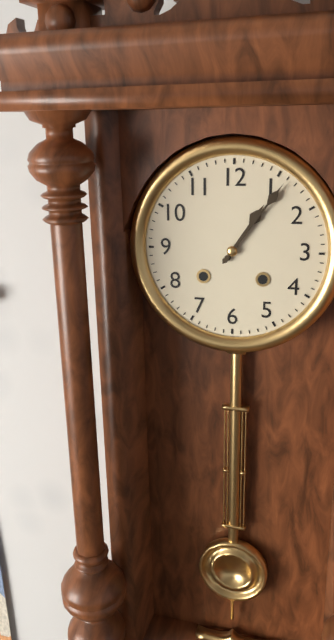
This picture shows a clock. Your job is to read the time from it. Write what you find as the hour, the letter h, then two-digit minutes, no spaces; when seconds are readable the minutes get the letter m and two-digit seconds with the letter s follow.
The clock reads 1h06
